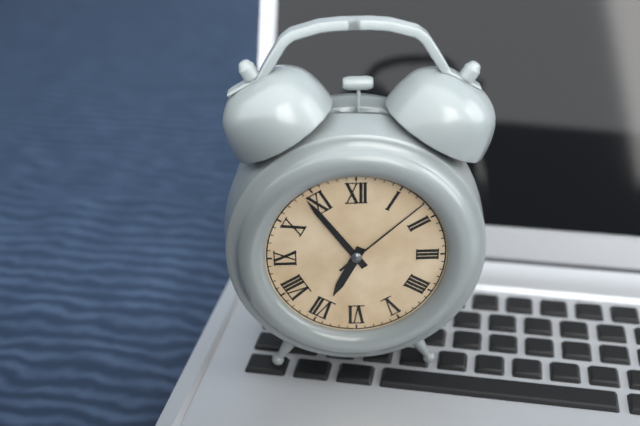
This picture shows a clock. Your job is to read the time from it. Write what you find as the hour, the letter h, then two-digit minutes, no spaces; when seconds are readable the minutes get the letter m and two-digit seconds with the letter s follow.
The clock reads 6h54m08s
